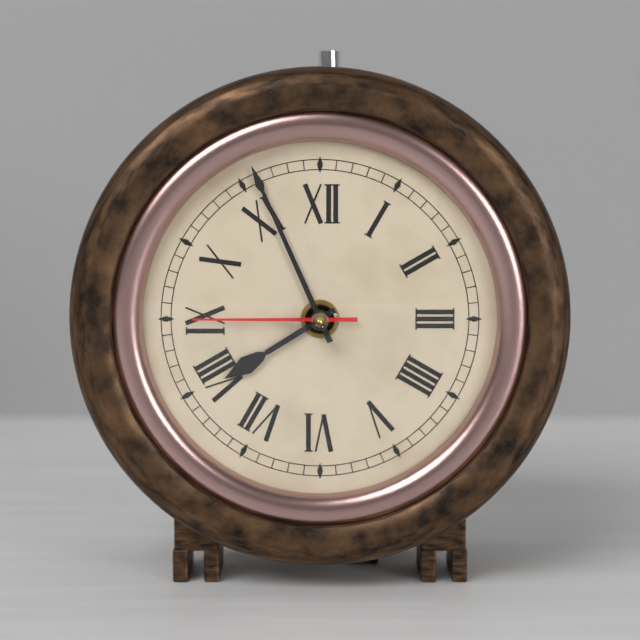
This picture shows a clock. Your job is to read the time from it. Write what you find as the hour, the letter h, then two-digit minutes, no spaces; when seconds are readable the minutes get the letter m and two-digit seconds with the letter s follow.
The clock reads 7h56m45s
